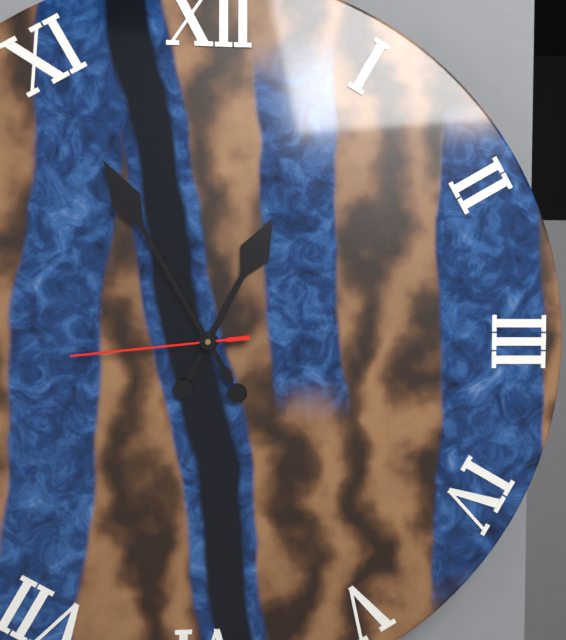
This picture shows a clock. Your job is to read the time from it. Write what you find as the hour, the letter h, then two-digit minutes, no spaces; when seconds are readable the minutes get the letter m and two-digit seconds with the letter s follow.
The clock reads 12h55m44s
